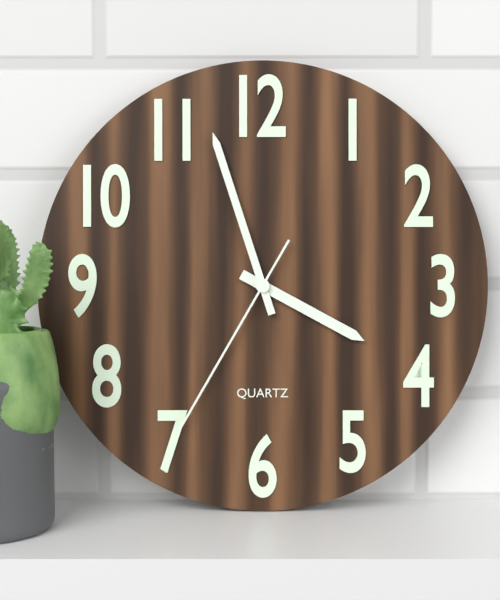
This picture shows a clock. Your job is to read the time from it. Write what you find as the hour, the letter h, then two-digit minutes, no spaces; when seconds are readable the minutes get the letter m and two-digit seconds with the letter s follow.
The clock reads 3h57m35s
